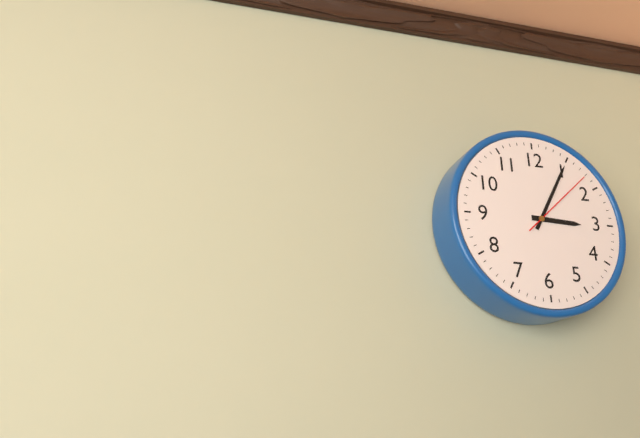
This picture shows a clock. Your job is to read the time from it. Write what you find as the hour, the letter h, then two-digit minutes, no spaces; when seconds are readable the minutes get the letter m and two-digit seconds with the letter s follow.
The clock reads 3h05m08s
